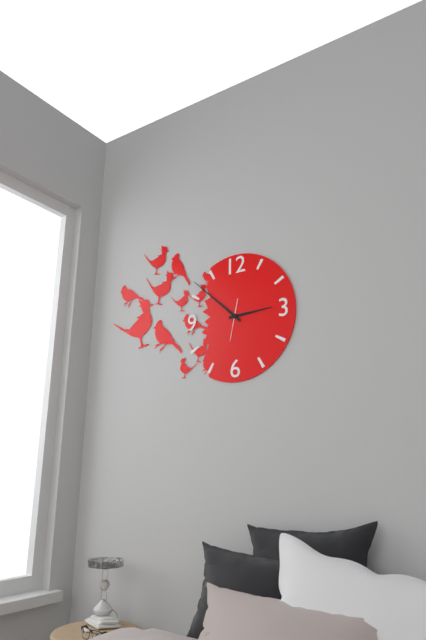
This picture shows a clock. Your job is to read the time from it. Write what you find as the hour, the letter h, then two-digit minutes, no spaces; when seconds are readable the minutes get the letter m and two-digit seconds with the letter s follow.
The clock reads 2h52
